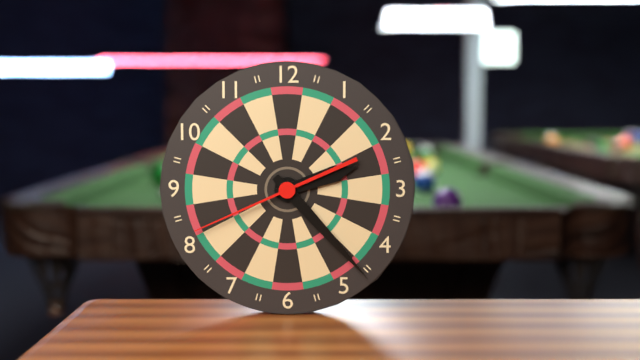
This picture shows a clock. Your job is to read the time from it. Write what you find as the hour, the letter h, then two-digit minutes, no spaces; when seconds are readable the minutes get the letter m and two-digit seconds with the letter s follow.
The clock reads 2h23m41s
